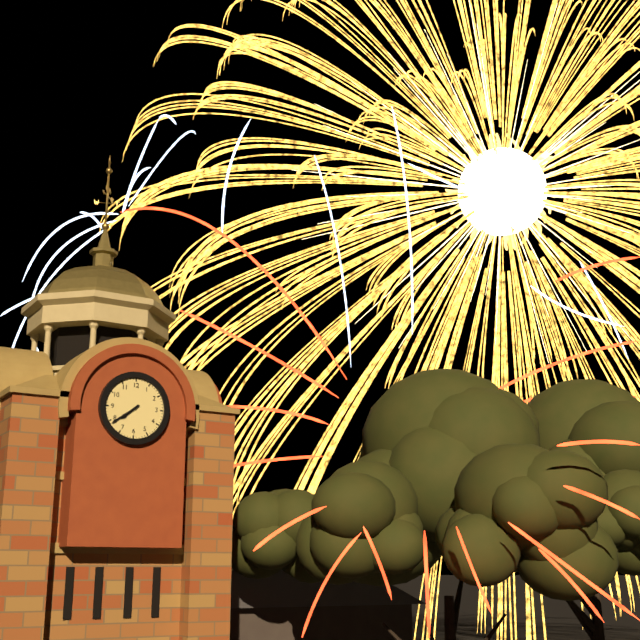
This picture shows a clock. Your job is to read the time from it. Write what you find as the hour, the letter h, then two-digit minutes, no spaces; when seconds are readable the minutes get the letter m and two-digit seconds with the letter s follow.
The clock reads 7h39
